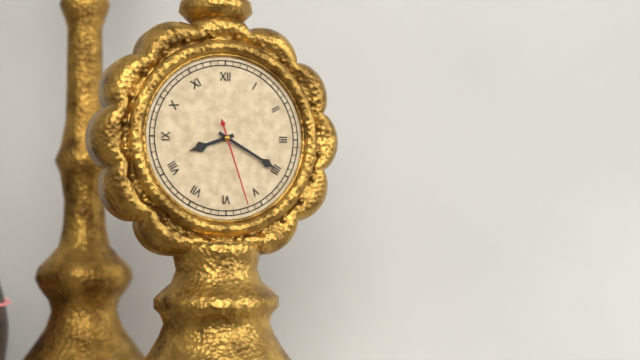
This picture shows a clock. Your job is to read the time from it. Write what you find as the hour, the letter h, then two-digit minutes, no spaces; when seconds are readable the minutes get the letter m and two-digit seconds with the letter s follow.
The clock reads 8h20m27s
